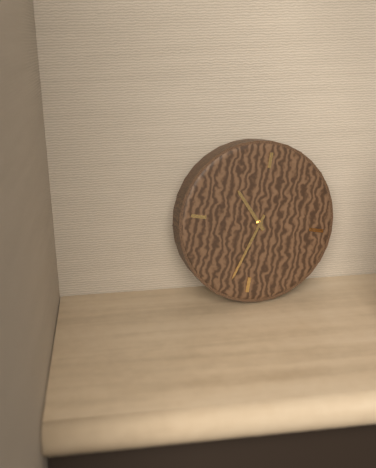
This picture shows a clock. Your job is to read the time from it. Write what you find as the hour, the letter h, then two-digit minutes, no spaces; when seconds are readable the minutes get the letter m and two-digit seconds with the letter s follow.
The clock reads 10h33
